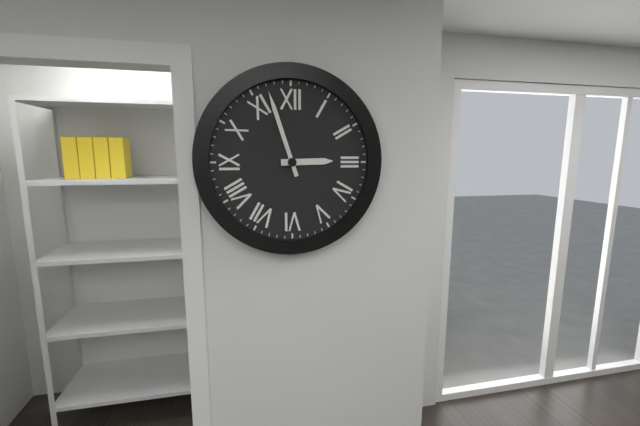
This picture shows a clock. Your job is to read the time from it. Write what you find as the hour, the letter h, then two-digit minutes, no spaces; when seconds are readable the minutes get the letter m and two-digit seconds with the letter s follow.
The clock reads 2h57
